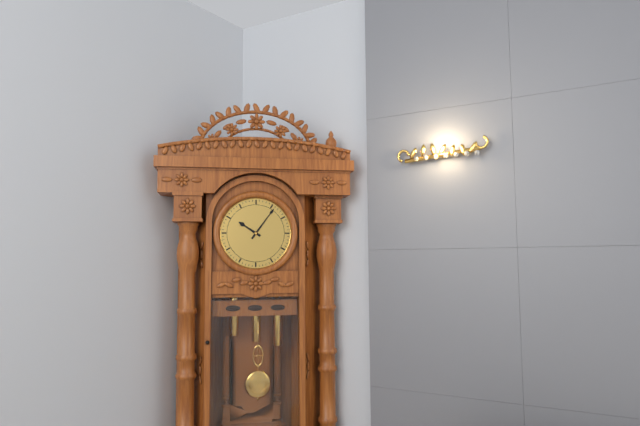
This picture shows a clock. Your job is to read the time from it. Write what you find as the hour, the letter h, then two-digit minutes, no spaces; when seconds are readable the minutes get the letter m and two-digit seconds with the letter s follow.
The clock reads 10h06
